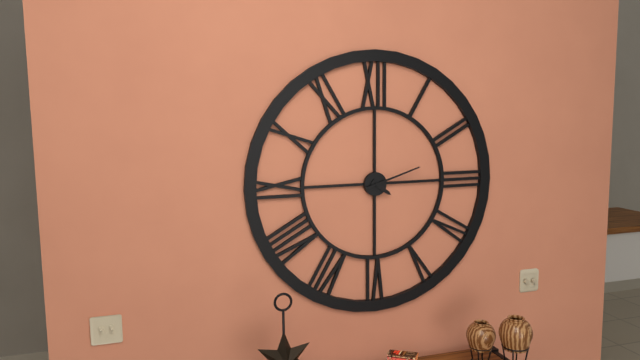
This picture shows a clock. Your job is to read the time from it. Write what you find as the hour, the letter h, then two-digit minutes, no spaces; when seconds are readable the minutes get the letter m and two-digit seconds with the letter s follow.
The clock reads 4h12
